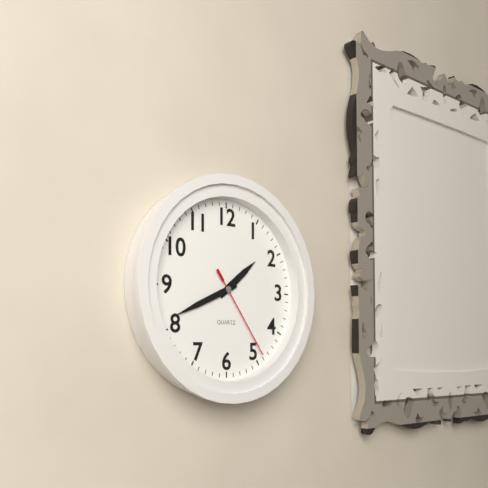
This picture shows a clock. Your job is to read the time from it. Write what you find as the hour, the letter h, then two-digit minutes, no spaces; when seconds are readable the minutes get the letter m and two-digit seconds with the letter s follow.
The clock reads 1h41m24s
